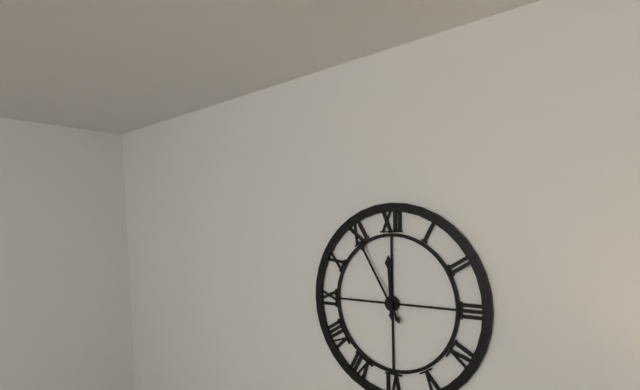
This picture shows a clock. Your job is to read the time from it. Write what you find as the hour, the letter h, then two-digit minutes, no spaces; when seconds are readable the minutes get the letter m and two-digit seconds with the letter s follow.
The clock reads 11h55
